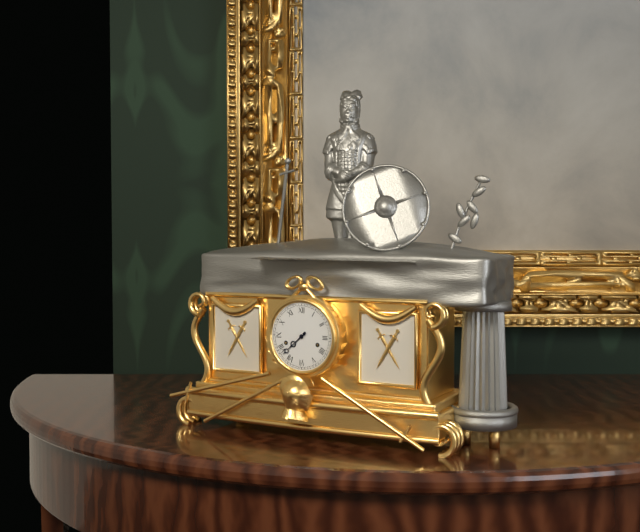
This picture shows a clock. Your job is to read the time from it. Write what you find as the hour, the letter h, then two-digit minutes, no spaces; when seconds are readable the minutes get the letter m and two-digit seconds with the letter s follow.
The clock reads 7h38
